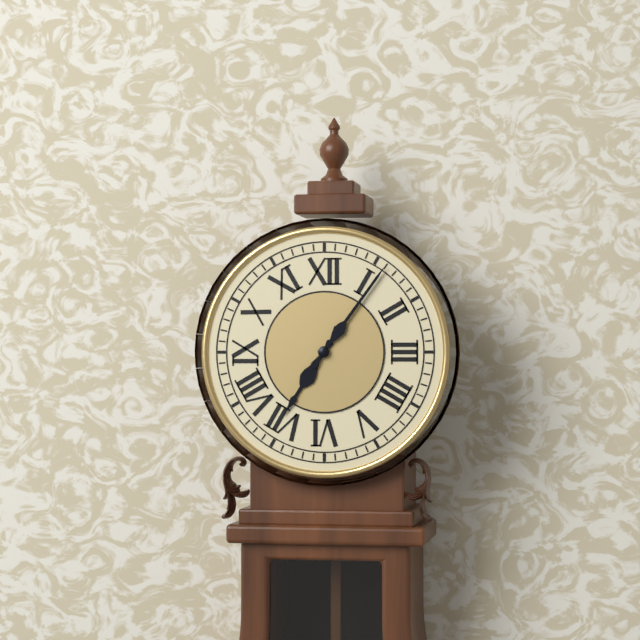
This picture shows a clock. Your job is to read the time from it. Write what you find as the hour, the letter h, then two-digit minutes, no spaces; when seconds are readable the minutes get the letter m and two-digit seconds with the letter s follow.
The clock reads 7h06
